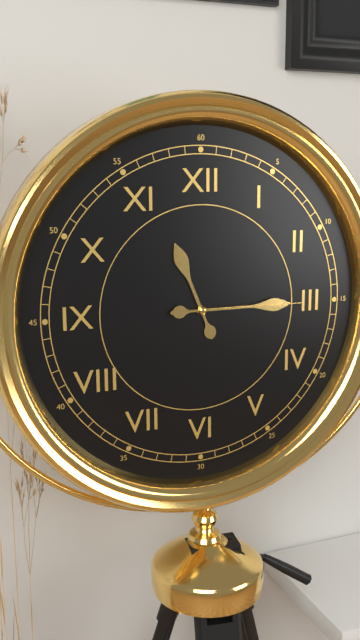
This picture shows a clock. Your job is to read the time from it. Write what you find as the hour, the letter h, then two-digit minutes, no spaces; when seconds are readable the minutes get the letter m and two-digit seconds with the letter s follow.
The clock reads 11h15m15s
